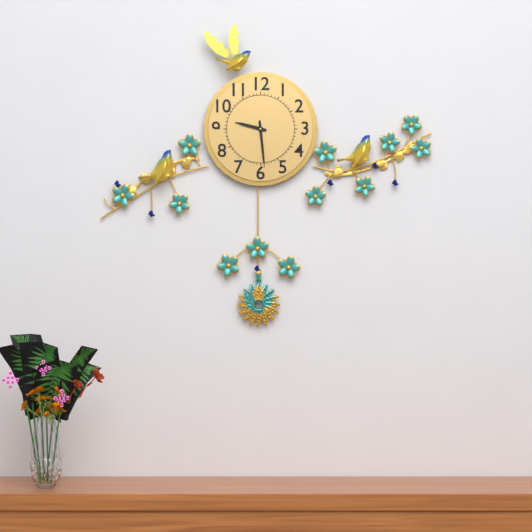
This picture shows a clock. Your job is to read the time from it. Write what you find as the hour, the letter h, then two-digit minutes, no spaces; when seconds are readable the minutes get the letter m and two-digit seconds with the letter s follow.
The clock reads 9h29
